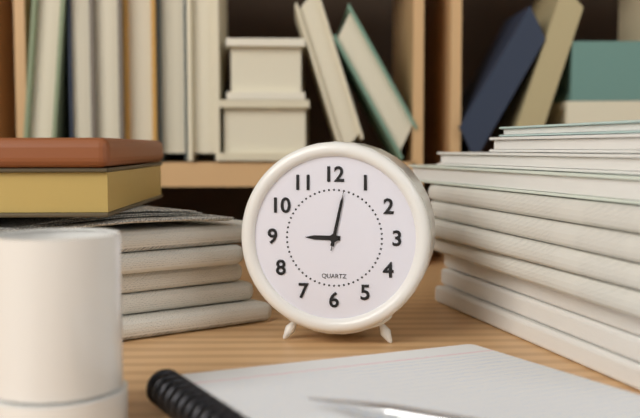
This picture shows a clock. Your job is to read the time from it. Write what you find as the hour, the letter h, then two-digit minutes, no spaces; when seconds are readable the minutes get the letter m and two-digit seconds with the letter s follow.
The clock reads 9h02m02s
